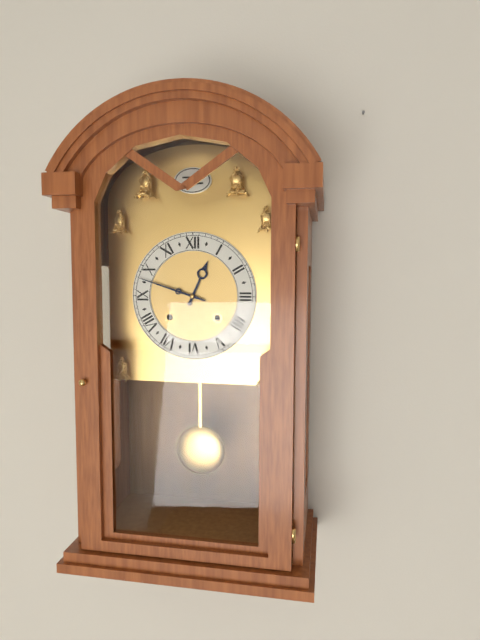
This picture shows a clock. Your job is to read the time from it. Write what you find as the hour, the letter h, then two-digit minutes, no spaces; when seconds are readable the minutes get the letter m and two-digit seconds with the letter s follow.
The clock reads 12h48
